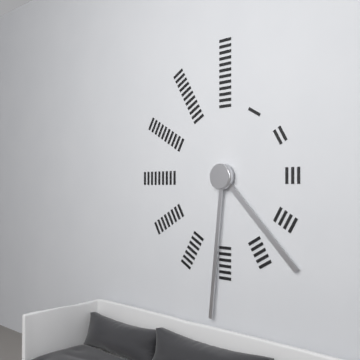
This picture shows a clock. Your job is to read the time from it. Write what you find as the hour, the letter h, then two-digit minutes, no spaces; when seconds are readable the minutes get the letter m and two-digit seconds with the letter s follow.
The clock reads 4h31
